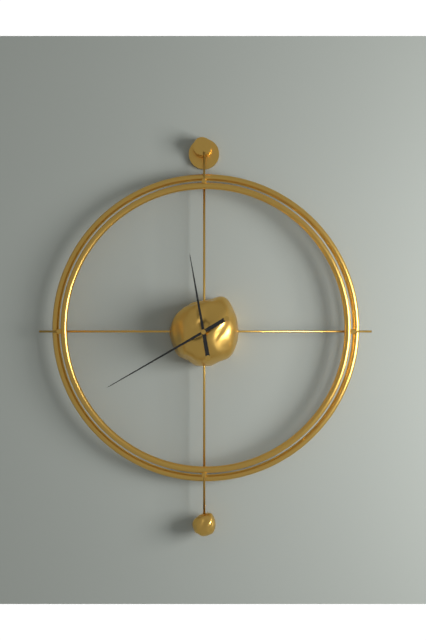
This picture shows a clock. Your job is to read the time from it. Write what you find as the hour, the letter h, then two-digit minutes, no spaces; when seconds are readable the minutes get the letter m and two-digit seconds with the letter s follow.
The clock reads 11h40
